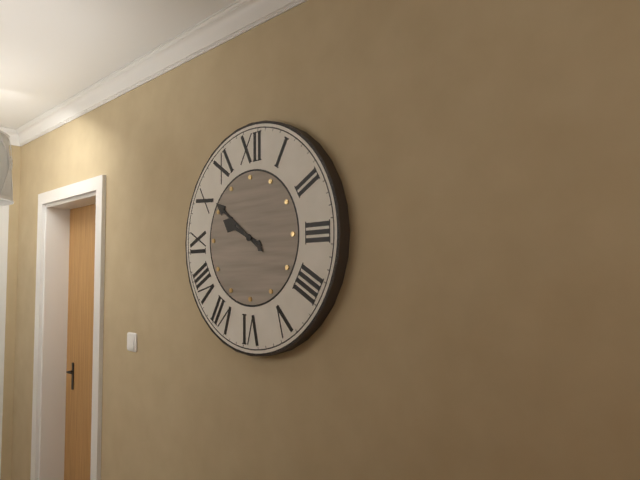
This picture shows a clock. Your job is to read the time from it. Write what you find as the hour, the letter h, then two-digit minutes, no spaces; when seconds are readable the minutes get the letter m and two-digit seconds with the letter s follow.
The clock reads 9h51
